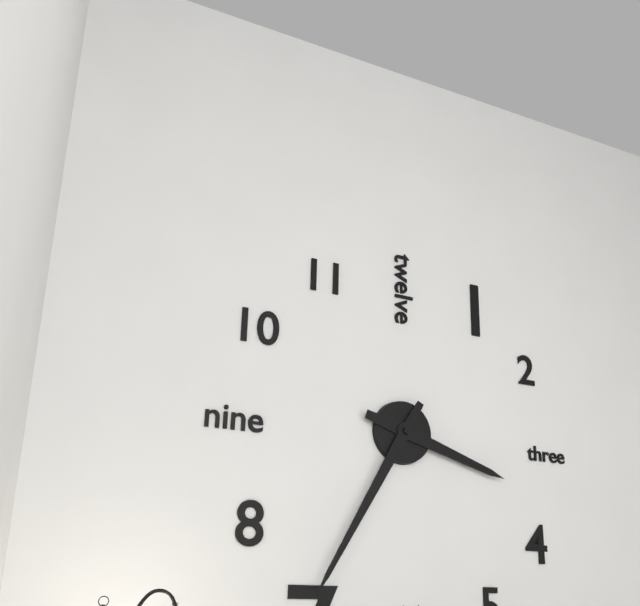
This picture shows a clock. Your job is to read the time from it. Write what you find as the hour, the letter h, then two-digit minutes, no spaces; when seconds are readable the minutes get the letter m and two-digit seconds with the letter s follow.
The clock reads 3h35
